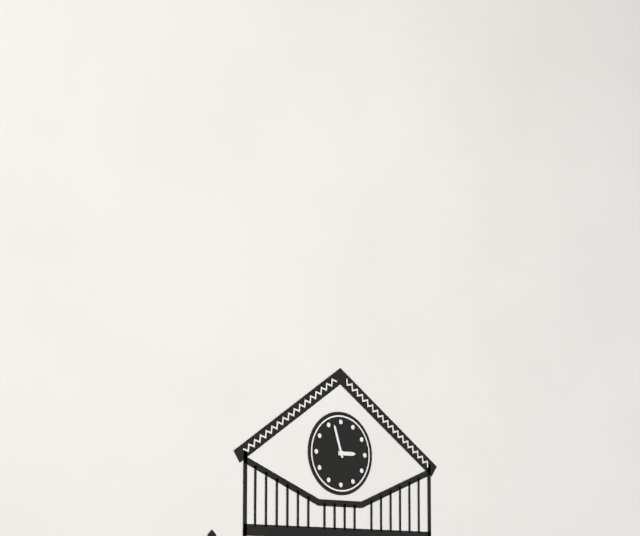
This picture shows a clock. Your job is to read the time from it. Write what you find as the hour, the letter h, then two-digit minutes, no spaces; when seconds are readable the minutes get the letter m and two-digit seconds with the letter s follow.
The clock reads 2h57
